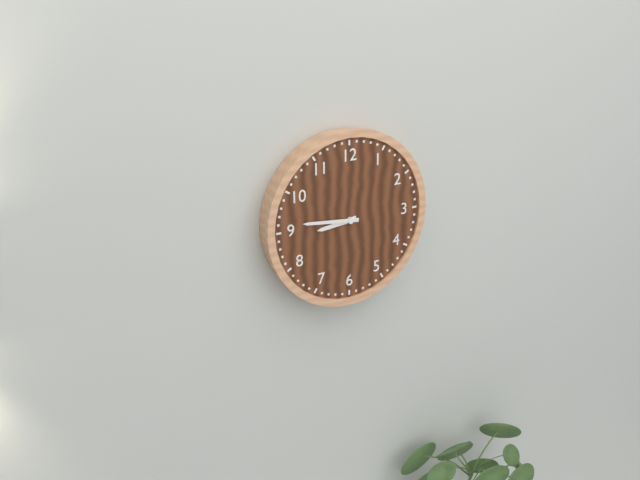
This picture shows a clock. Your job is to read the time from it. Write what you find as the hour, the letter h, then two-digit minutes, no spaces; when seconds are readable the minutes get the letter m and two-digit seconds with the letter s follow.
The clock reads 8h46
